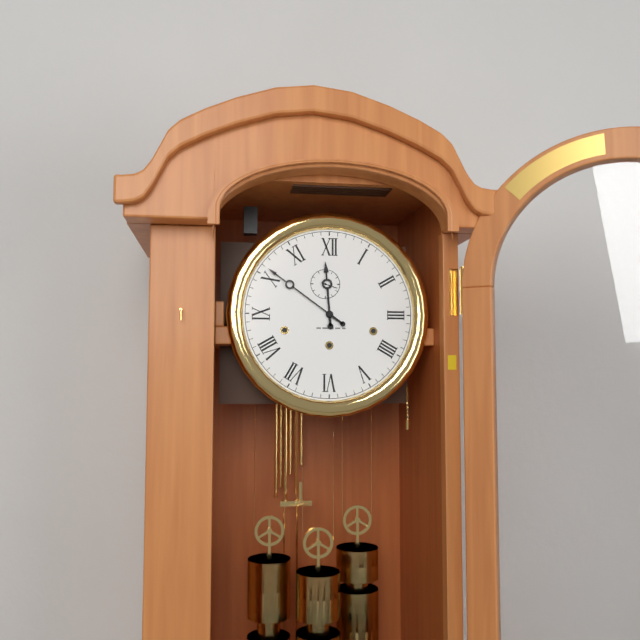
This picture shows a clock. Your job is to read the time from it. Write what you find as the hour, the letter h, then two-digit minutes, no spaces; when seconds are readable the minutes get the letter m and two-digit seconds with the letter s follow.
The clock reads 11h51
